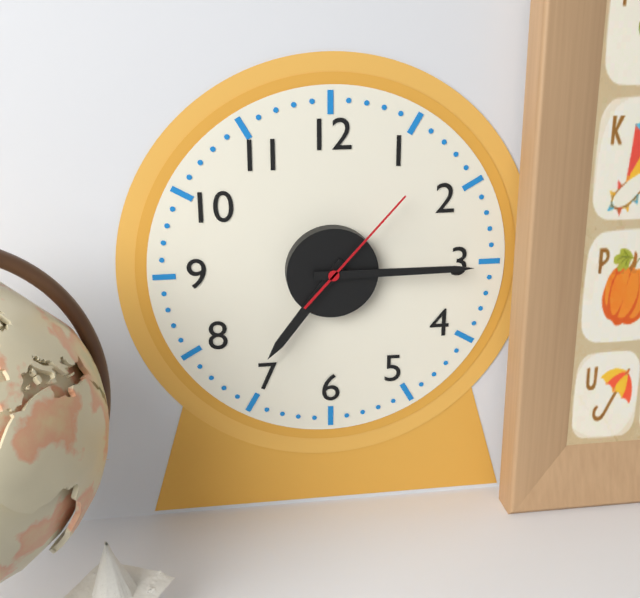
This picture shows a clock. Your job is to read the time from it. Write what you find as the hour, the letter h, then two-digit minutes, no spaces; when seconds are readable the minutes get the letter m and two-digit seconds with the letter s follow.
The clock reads 7h15m07s
